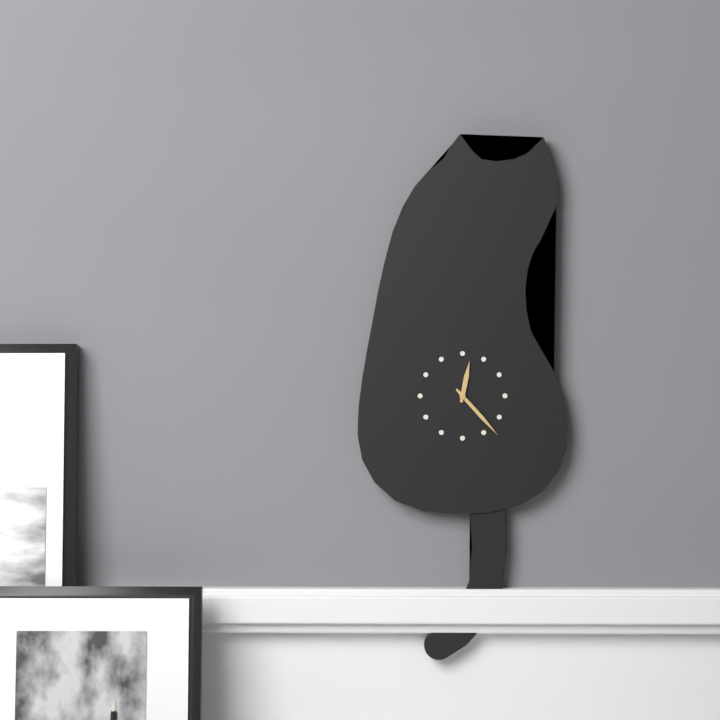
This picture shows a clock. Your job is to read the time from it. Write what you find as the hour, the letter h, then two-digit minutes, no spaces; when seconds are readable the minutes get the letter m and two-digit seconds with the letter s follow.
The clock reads 12h23
